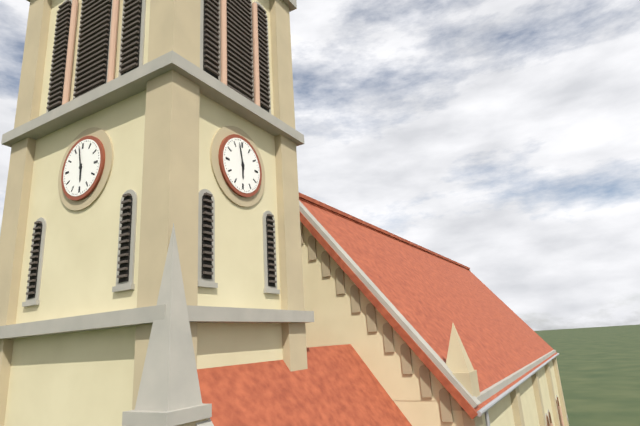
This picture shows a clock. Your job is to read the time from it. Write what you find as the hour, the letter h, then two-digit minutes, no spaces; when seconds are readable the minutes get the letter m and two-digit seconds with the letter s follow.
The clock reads 5h58
